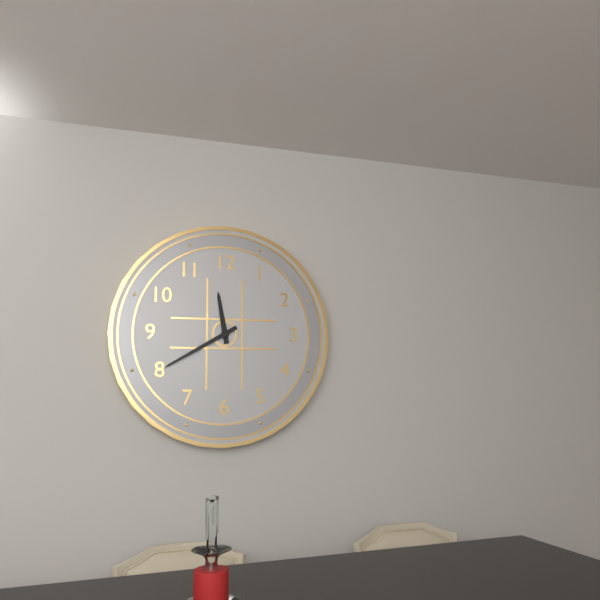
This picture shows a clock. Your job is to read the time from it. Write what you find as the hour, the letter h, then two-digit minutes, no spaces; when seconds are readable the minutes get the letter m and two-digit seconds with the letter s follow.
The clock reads 11h40
